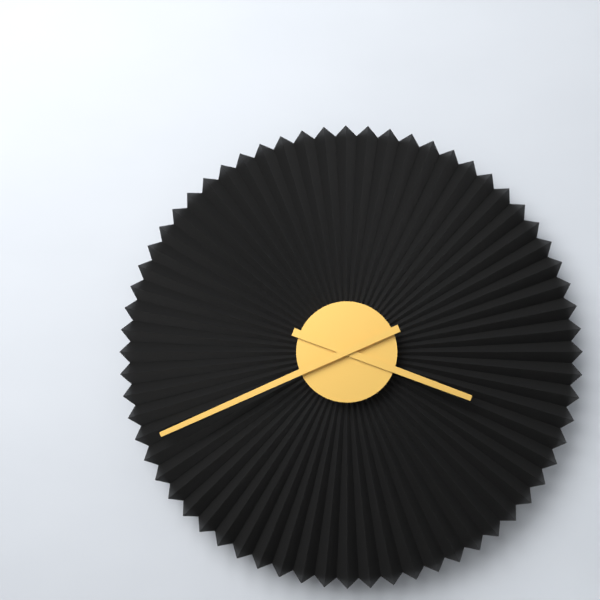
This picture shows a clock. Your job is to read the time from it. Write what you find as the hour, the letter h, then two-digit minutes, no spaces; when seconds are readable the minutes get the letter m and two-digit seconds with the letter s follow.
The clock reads 3h41
